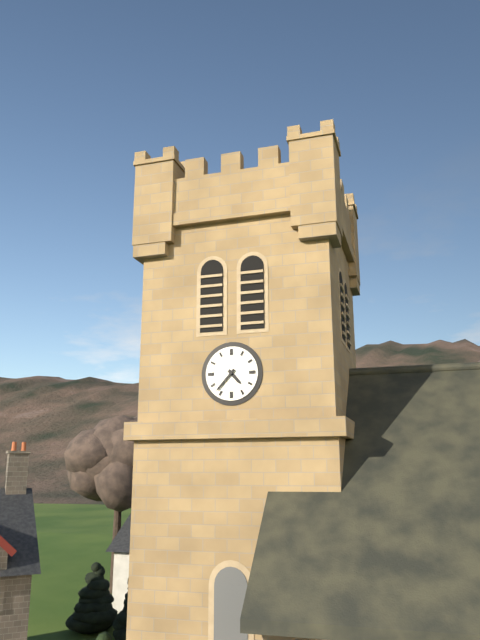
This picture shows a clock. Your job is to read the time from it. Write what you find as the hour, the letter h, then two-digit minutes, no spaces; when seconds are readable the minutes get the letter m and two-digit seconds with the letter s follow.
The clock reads 4h37
